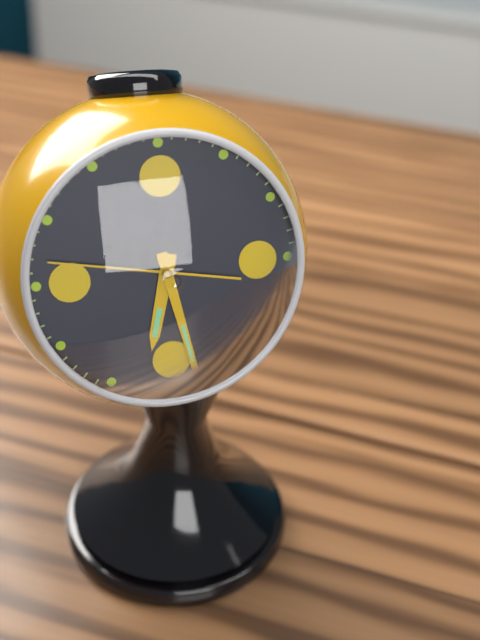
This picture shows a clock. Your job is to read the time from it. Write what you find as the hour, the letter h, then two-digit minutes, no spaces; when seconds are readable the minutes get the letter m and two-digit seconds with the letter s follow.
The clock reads 6h28m47s
